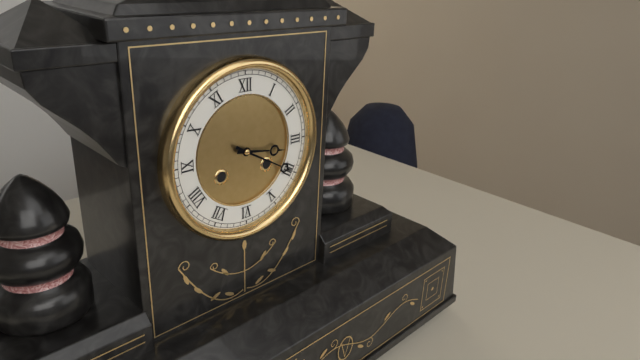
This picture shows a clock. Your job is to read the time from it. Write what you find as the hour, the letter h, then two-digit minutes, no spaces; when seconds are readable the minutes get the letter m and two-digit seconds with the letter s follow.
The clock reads 3h20
